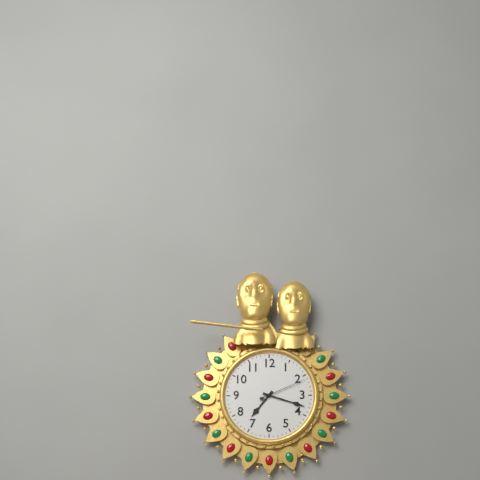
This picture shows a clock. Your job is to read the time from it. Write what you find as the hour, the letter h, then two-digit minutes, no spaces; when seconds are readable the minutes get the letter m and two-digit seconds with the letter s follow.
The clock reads 7h18
